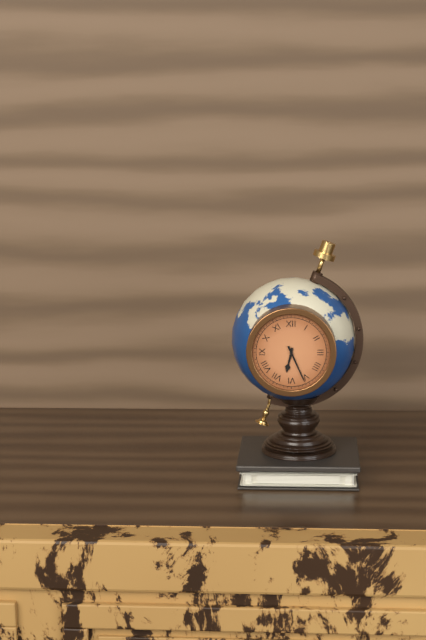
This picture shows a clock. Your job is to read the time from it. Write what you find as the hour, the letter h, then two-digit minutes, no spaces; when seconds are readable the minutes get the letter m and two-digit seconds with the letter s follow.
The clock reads 6h26
